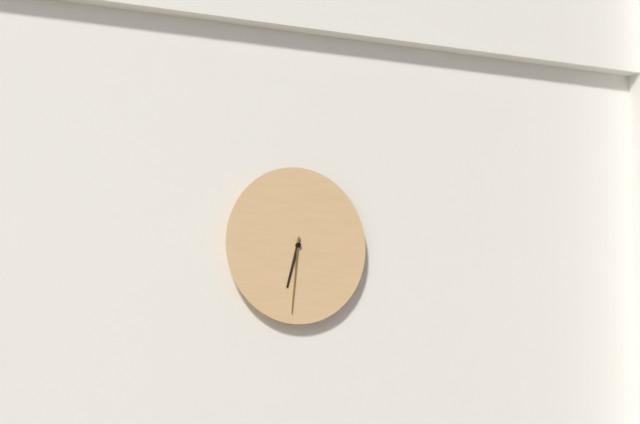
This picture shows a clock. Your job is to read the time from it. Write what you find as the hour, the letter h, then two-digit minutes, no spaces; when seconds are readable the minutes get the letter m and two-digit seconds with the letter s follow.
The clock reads 6h31
